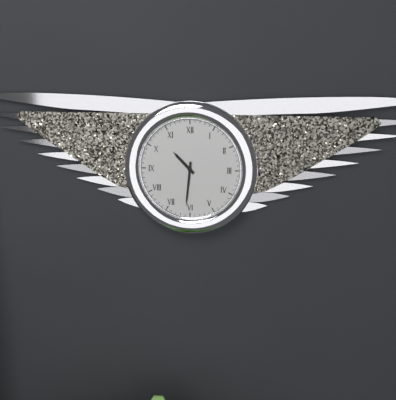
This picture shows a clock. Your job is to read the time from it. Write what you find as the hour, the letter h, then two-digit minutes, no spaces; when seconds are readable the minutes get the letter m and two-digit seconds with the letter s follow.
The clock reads 10h31
